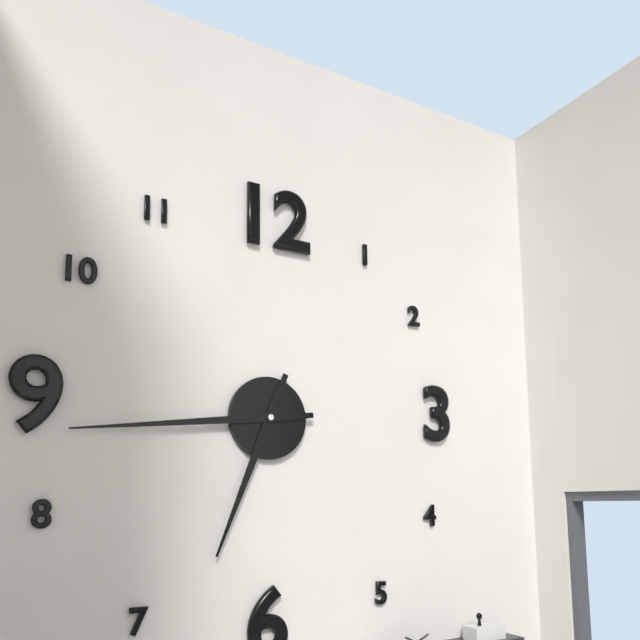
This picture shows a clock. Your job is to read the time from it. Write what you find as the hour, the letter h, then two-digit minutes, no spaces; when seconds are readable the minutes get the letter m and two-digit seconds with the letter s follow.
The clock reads 6h44
